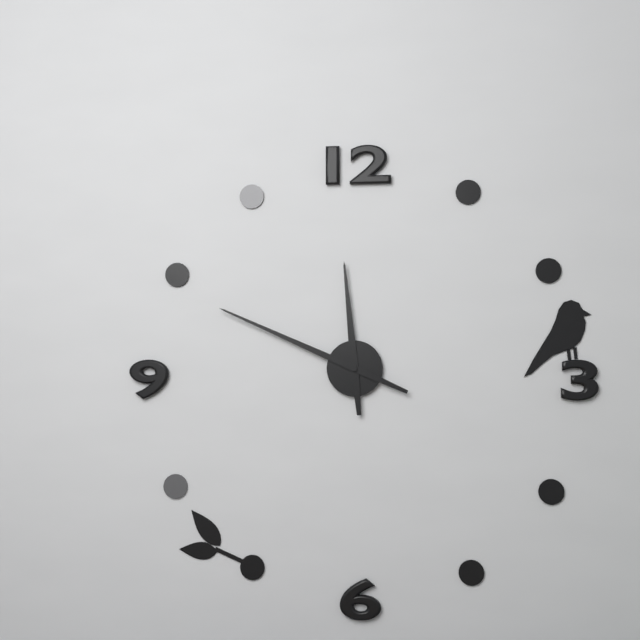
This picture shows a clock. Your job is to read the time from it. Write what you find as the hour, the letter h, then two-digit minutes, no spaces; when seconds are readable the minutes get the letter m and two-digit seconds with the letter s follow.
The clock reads 11h49
